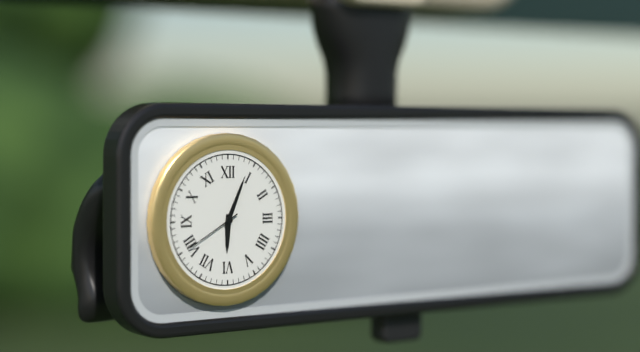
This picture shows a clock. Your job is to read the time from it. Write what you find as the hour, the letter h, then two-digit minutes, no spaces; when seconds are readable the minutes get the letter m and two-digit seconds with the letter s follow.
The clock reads 6h04m40s
